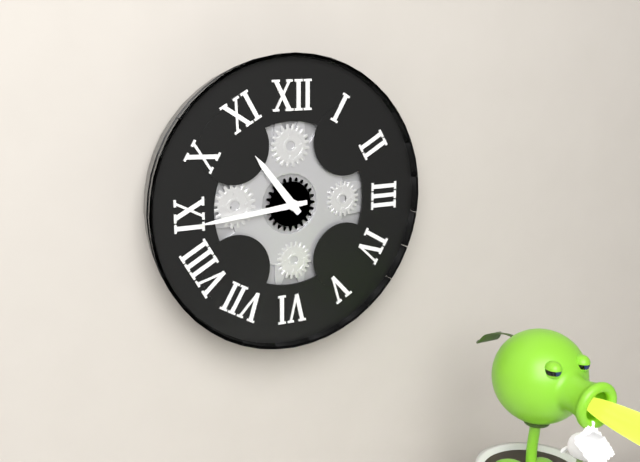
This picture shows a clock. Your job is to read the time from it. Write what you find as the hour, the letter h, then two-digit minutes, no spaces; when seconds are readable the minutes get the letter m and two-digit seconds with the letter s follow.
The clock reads 10h44
